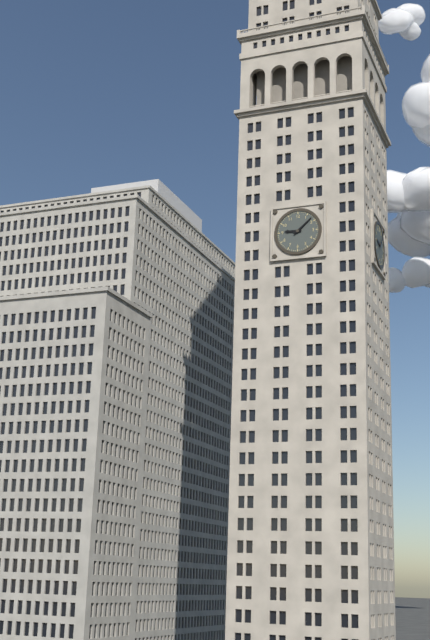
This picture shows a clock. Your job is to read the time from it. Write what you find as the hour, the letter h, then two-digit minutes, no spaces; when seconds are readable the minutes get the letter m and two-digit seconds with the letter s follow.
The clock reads 9h08
